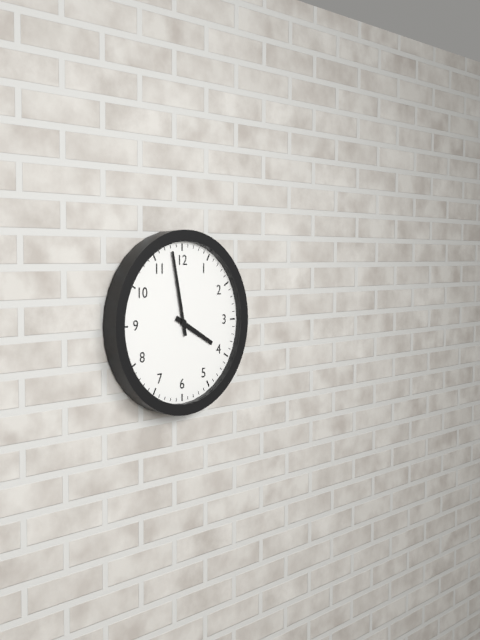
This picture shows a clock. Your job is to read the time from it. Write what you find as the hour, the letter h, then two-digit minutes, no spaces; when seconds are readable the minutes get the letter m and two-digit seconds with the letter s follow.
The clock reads 3h58
